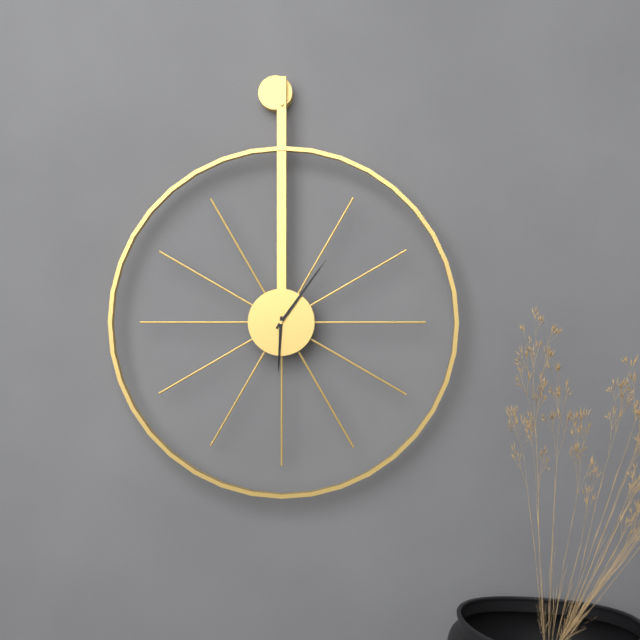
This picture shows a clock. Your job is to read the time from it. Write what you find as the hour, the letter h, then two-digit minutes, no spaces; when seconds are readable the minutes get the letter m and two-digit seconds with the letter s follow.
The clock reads 6h06
